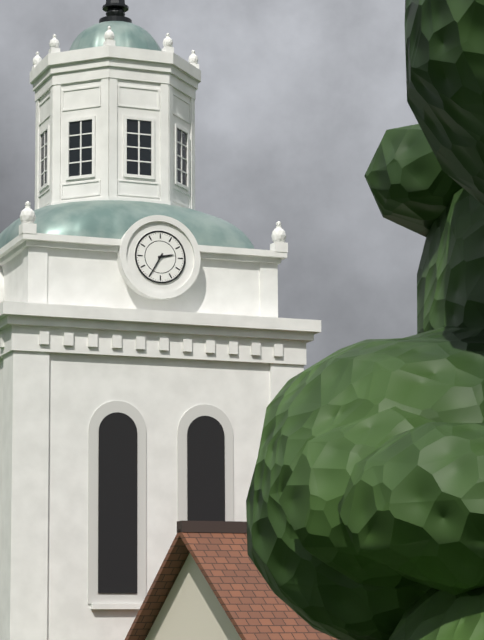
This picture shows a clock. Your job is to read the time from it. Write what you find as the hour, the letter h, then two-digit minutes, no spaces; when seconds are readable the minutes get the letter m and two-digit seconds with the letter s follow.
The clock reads 2h35
